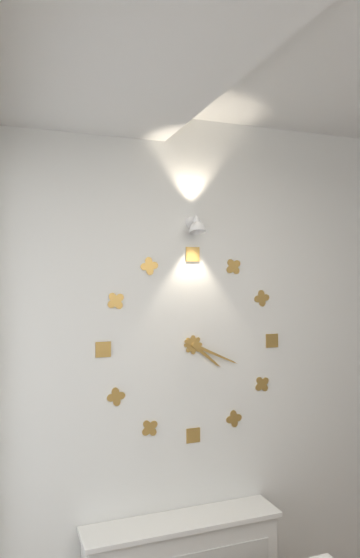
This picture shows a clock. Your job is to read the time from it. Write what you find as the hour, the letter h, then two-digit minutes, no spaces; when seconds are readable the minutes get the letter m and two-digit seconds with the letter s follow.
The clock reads 4h19
